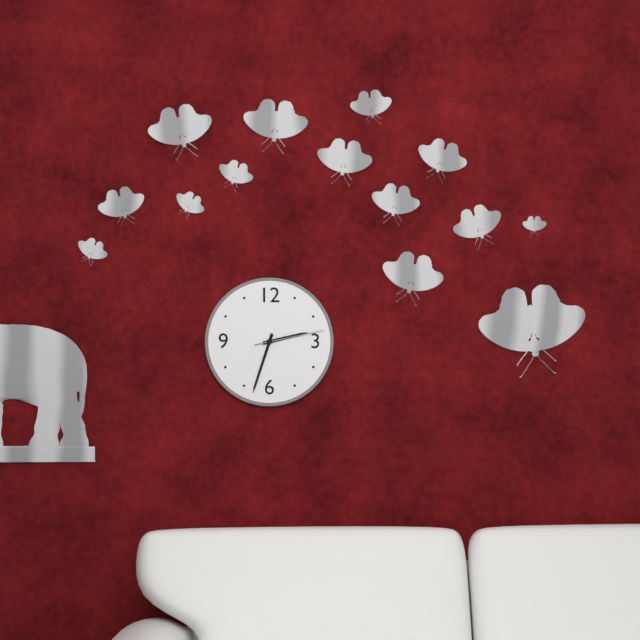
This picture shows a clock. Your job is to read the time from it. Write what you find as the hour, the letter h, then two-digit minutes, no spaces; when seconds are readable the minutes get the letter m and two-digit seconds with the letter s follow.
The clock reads 2h33m13s
